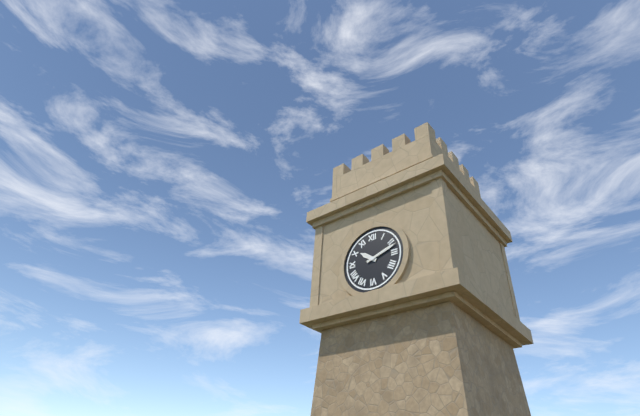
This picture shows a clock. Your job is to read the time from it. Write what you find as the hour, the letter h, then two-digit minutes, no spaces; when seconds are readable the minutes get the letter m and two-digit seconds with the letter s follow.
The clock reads 10h12
